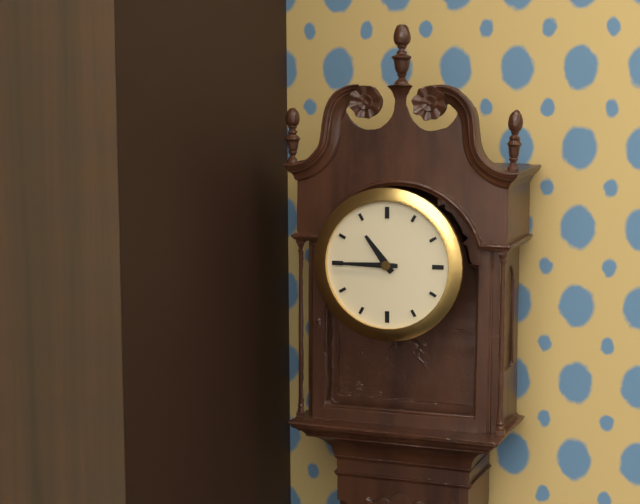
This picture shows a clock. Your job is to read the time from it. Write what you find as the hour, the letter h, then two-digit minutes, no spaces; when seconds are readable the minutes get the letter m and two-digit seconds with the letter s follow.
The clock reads 10h45
